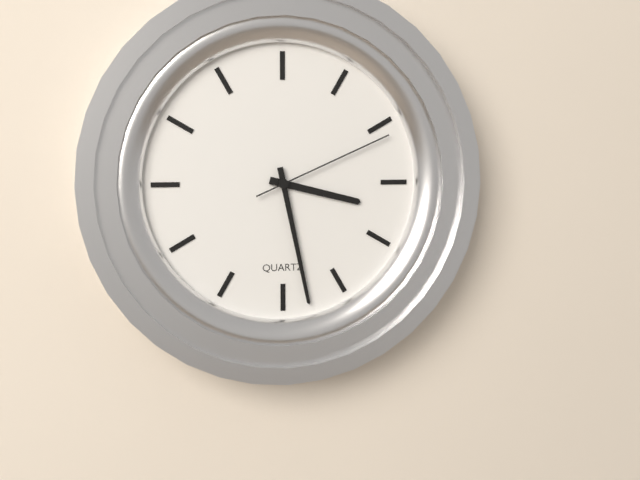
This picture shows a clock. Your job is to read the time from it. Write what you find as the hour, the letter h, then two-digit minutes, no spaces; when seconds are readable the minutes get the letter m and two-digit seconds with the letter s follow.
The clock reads 3h28m11s
